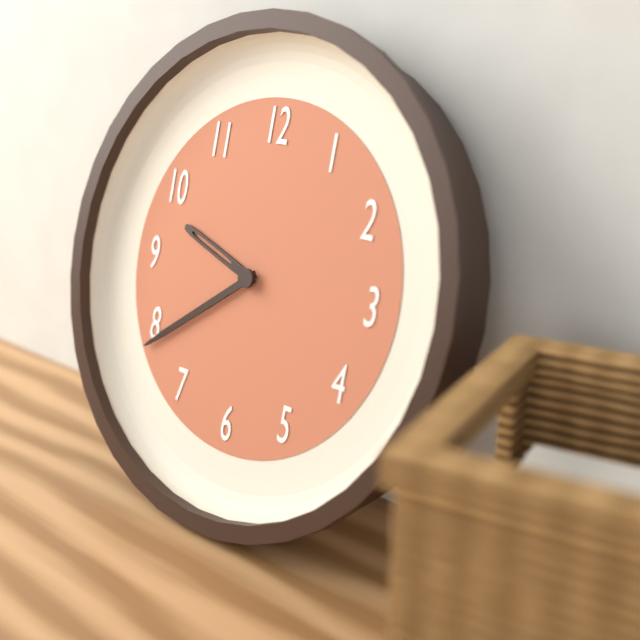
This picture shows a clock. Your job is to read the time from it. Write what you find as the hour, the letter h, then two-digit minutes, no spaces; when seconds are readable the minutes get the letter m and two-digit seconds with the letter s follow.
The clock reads 9h39
